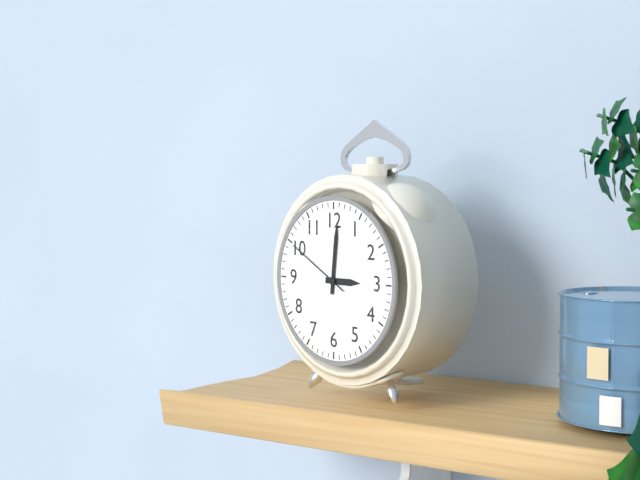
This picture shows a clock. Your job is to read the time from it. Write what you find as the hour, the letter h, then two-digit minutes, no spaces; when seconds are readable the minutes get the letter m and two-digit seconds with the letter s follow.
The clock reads 3h01m50s
